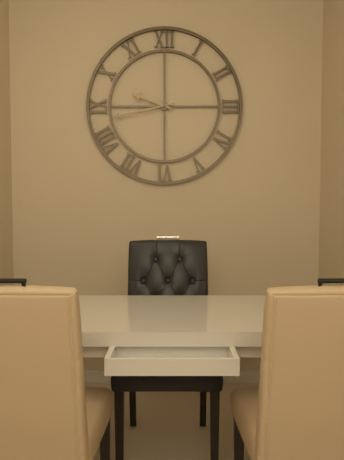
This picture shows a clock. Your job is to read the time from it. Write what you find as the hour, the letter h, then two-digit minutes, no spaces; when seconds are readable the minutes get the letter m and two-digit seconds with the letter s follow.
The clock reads 9h43
